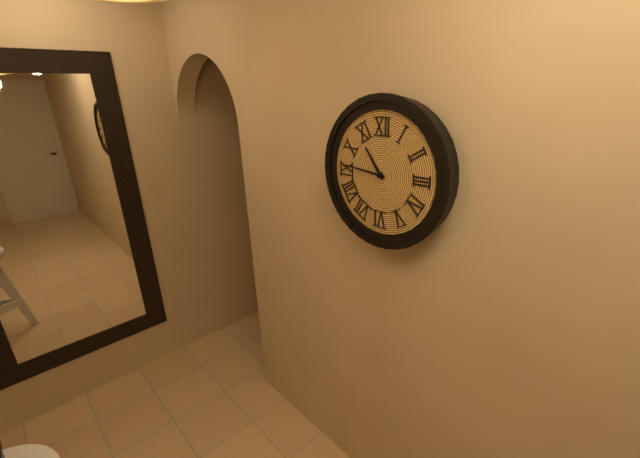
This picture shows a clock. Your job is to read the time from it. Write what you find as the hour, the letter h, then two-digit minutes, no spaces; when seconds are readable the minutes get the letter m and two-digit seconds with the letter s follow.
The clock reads 10h46
